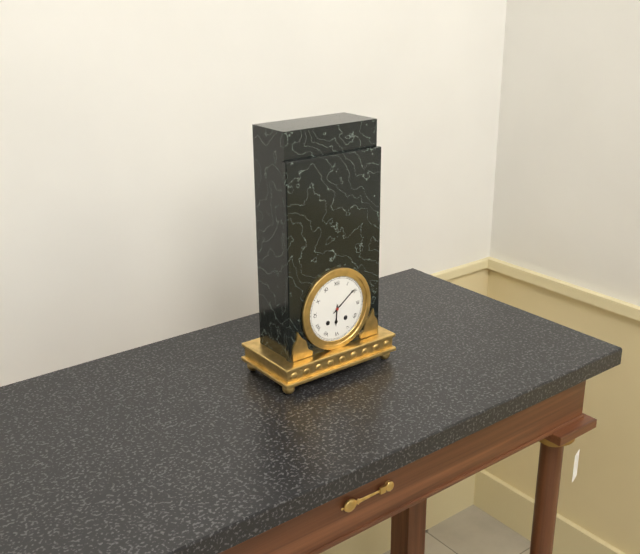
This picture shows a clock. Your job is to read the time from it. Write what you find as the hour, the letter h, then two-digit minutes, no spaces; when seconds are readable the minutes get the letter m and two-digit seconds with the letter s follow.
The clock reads 6h09
